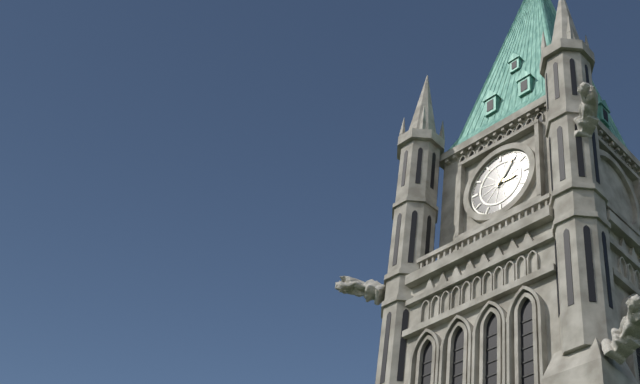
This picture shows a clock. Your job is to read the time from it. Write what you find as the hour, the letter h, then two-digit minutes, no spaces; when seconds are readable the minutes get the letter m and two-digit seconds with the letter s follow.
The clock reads 3h06
